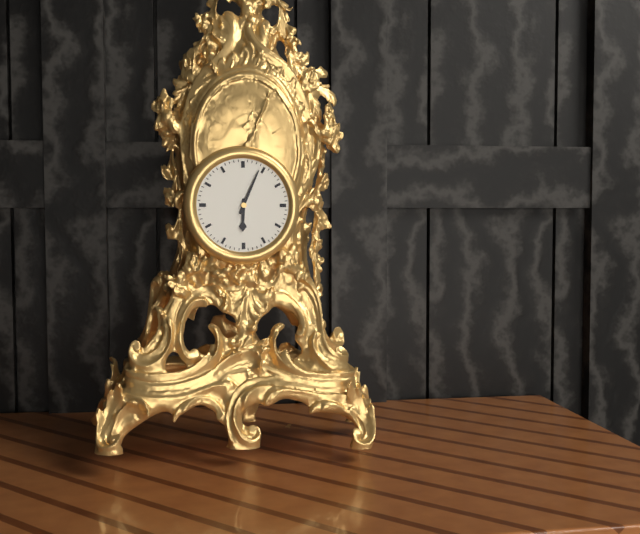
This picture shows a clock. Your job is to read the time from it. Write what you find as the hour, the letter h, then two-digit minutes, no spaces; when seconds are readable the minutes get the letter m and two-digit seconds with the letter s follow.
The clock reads 6h04
